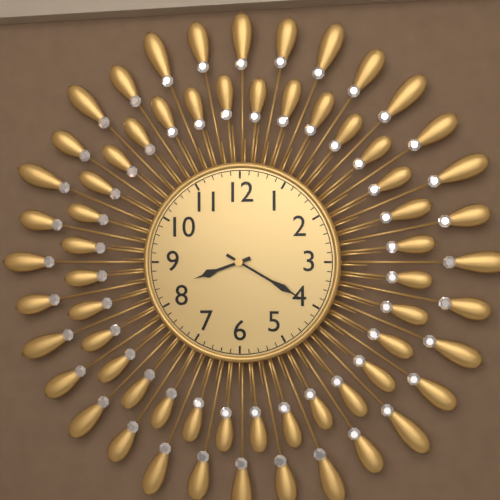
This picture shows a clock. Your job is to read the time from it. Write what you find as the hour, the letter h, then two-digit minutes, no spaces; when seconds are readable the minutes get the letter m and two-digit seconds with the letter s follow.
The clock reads 8h20
